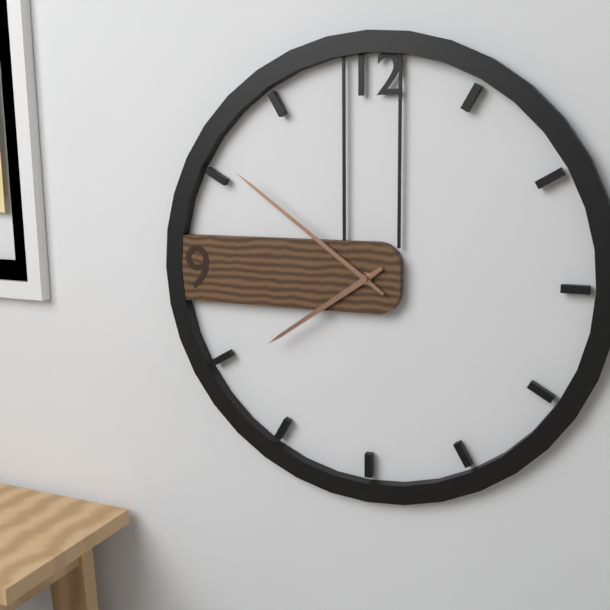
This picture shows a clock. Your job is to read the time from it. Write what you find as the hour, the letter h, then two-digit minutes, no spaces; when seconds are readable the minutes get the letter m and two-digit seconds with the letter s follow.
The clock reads 7h51
